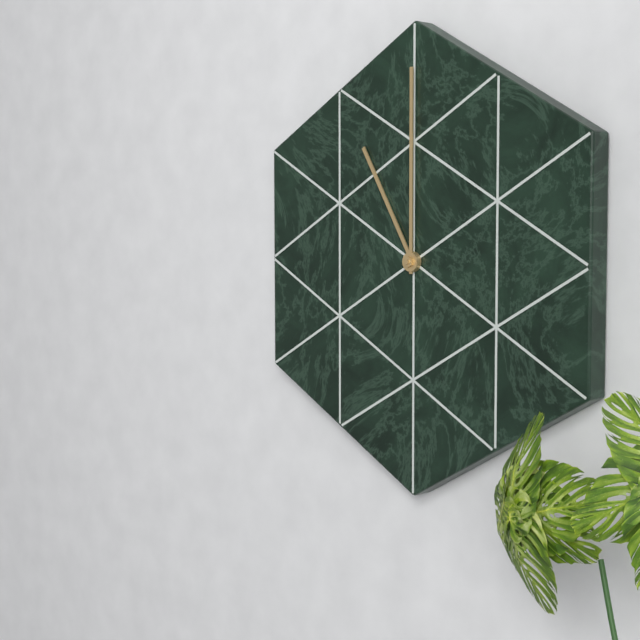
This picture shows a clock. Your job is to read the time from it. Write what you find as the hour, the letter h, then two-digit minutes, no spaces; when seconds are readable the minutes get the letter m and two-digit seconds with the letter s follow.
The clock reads 11h00
